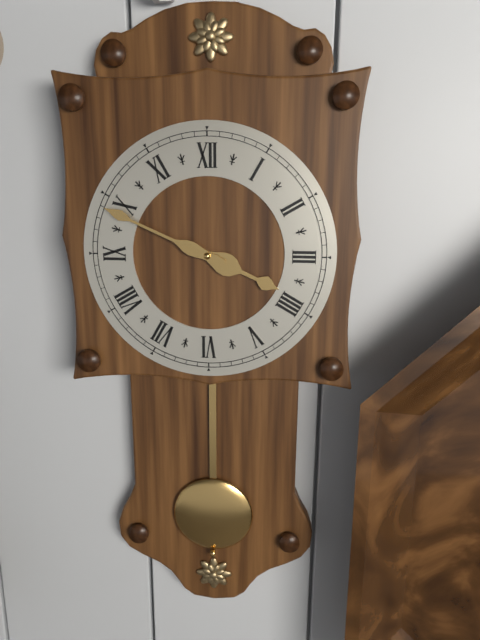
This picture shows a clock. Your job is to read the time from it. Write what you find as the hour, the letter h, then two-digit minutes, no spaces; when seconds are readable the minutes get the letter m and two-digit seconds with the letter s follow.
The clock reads 3h49
